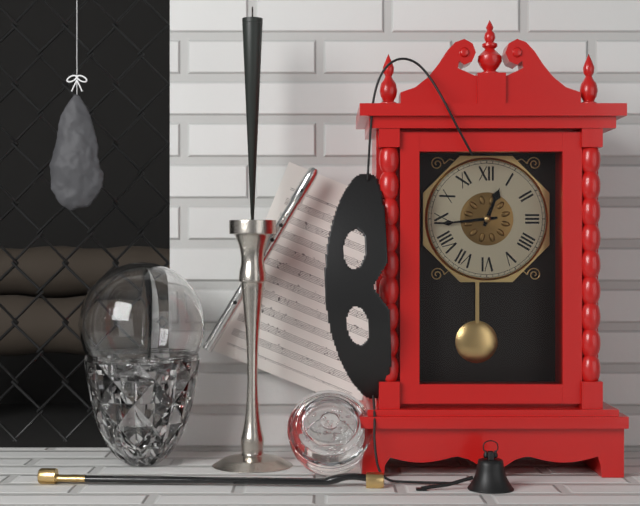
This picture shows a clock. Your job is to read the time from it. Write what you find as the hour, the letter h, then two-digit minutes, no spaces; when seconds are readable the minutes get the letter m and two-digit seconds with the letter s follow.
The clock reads 12h44
